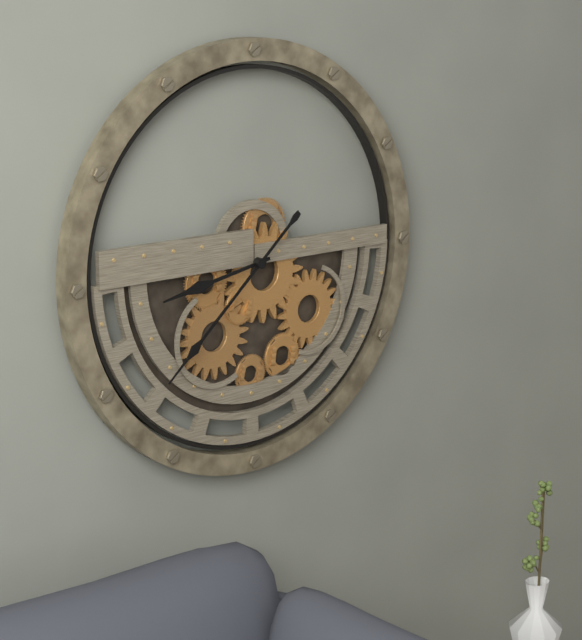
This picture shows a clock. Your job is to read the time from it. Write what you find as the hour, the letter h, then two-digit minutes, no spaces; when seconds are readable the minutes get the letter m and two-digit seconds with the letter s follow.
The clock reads 8h38
